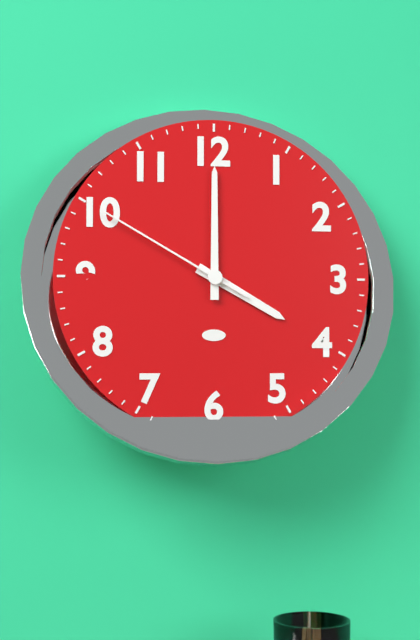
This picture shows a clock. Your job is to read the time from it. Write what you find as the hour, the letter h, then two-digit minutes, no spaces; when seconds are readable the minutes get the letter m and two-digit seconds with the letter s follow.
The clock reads 4h00m50s
